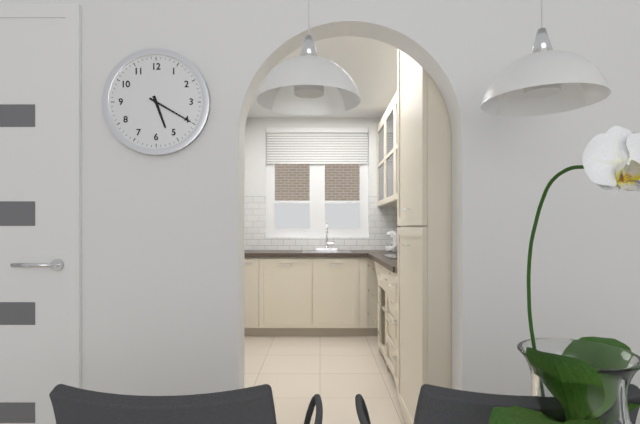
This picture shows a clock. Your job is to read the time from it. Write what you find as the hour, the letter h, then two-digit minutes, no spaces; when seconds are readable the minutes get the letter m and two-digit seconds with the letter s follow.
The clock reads 5h20
